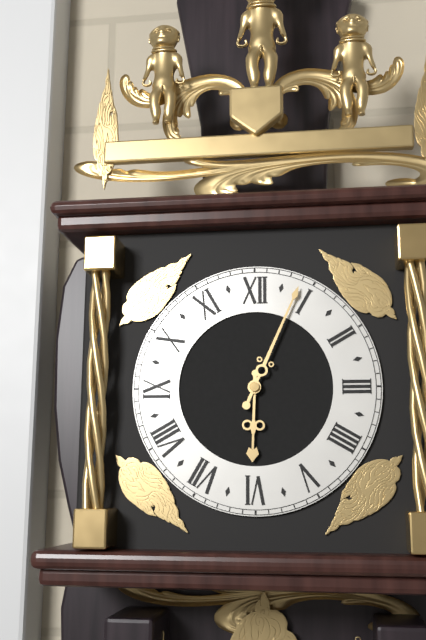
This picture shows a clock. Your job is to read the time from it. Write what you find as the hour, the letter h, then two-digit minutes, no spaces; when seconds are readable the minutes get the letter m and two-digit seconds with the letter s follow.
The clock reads 6h04
